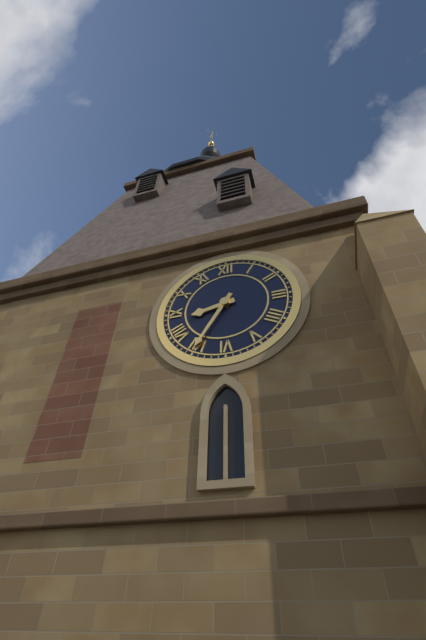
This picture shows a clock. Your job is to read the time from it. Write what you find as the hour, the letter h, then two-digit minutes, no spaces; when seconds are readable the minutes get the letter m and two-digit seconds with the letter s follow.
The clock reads 8h35
